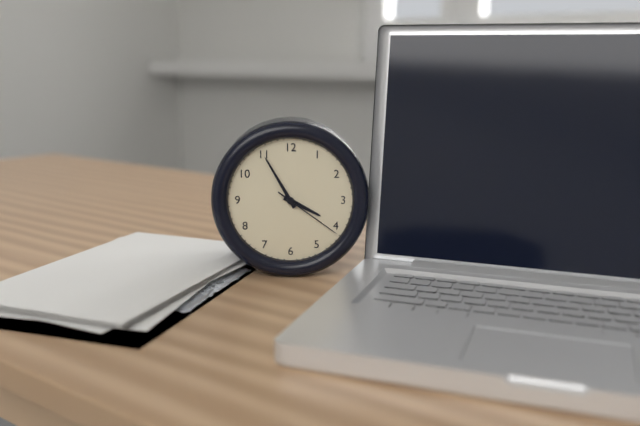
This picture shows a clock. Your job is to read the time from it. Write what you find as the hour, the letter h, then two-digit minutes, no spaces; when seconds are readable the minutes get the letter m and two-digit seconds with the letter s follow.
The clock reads 3h55m21s
